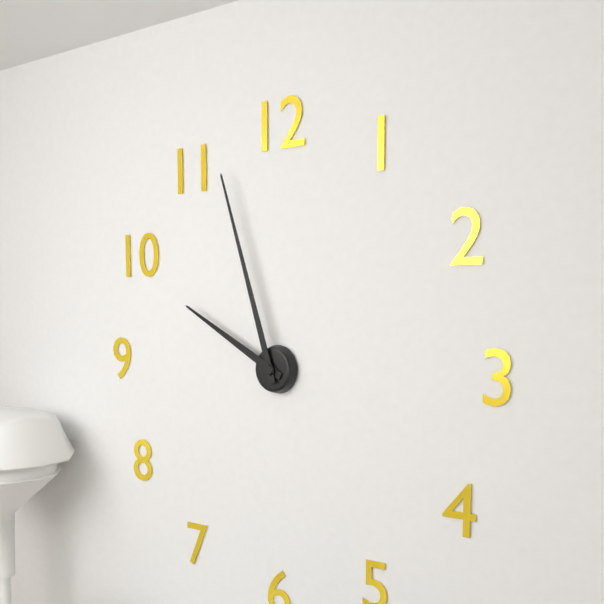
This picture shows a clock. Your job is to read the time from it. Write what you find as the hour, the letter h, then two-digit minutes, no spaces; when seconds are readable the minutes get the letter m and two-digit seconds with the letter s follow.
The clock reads 9h57
